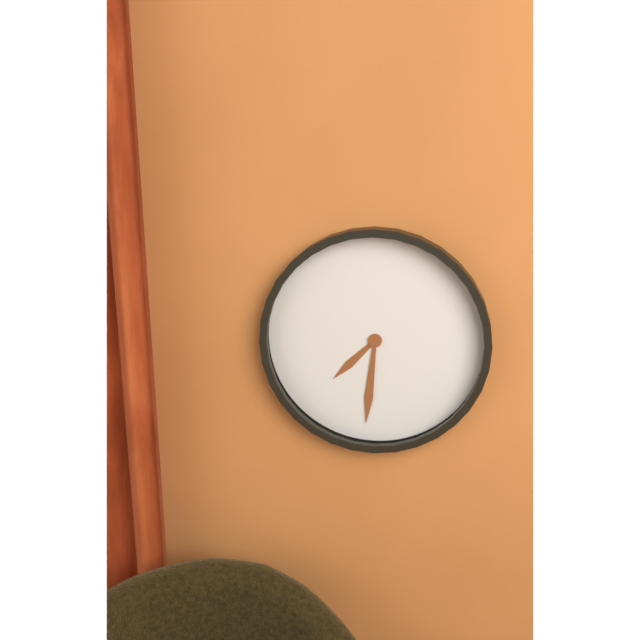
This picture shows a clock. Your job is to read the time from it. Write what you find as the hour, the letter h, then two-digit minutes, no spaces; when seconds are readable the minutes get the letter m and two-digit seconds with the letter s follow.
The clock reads 7h31
